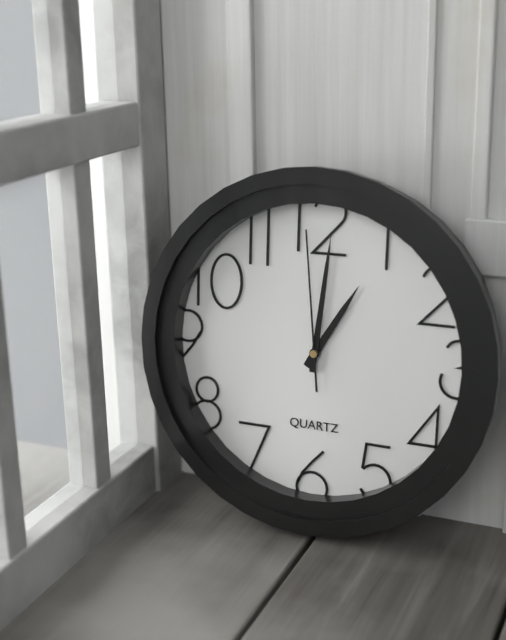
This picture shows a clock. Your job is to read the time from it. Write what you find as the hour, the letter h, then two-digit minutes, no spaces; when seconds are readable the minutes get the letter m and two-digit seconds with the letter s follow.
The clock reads 1h01m59s
